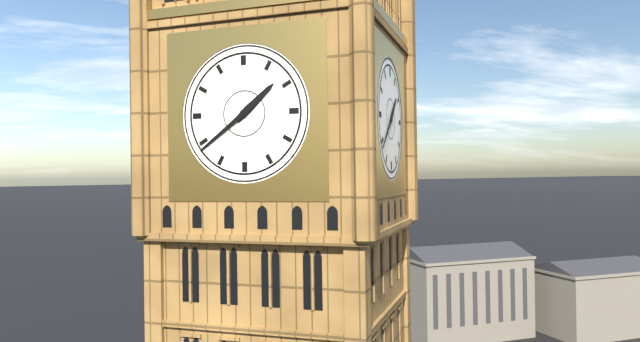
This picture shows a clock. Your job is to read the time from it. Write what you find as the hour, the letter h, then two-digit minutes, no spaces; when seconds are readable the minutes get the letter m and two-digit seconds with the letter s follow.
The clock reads 1h39
